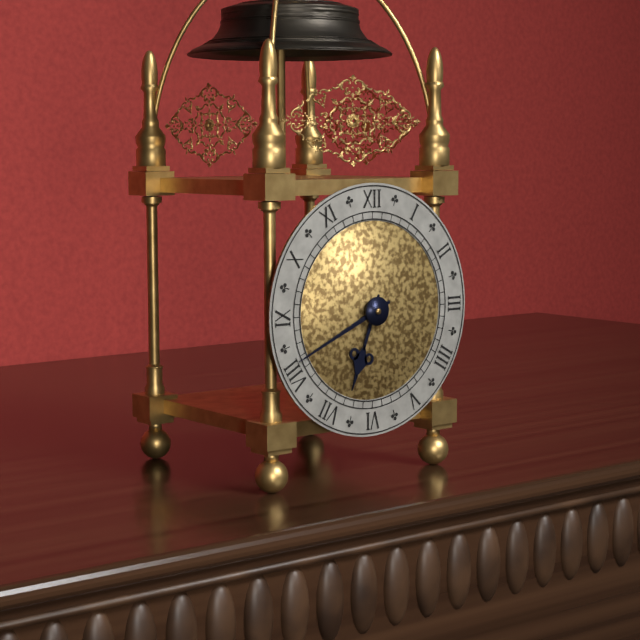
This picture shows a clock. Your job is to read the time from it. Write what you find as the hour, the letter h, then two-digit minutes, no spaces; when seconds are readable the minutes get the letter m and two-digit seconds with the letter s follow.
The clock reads 6h41
